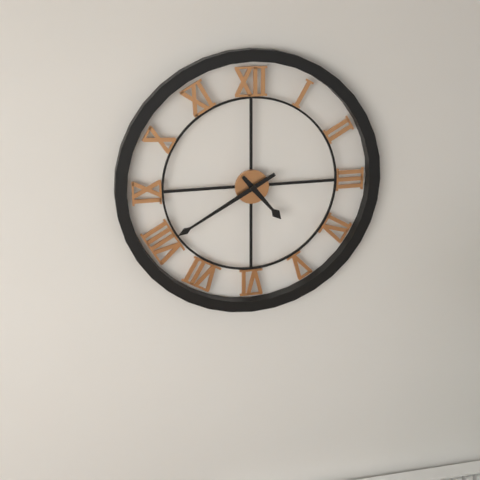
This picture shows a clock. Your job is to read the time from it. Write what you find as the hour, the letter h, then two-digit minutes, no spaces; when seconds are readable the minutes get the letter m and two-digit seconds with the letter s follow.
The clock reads 4h40
